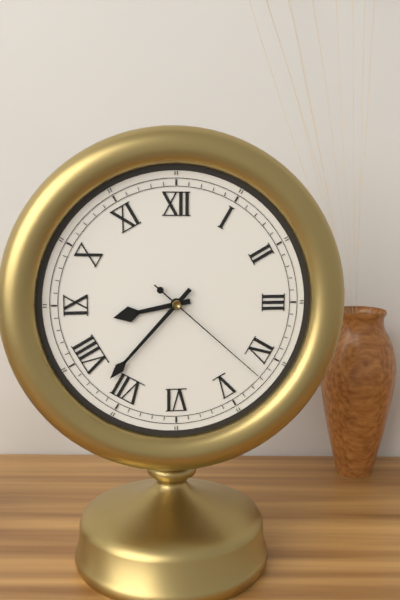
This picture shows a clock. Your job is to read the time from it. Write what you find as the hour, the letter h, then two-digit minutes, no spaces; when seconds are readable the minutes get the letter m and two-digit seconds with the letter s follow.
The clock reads 8h37m22s
